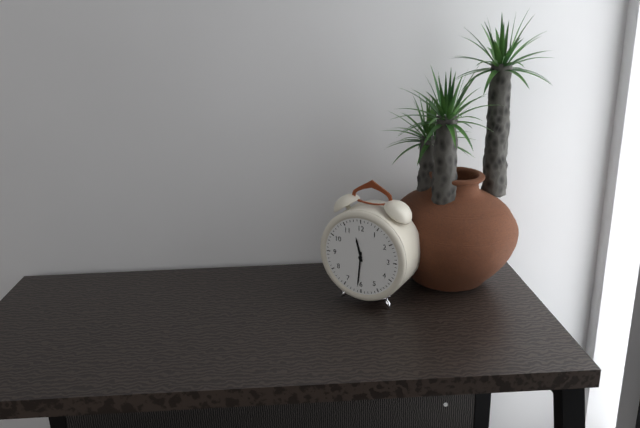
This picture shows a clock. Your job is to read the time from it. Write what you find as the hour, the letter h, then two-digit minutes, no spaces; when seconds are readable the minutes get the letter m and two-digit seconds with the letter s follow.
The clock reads 11h31
